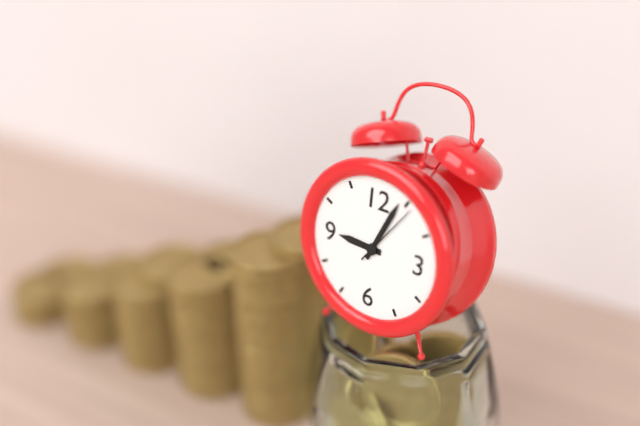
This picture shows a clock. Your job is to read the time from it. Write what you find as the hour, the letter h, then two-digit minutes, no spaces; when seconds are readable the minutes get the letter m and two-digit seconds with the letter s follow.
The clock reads 9h04m06s
